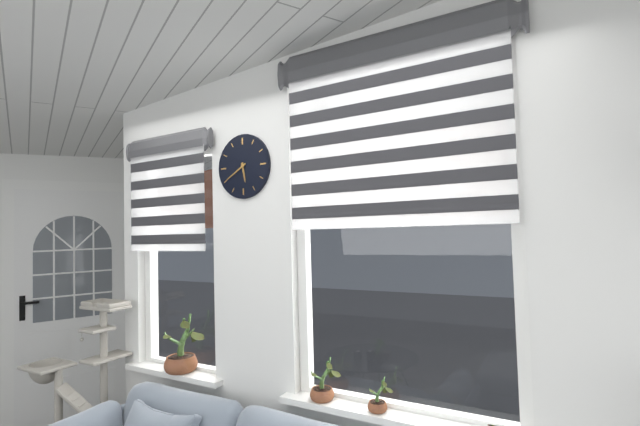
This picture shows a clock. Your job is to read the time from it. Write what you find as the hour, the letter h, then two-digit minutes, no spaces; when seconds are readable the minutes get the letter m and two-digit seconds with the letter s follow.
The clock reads 5h40
